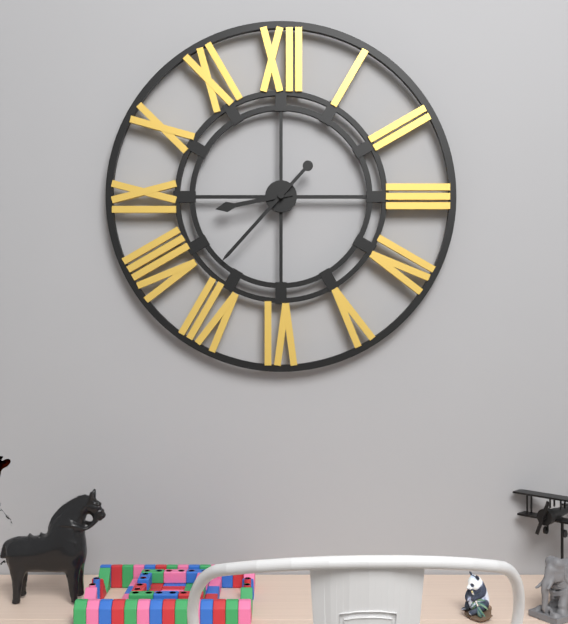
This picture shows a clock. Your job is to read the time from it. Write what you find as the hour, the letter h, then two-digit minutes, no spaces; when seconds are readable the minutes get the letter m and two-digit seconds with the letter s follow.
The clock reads 8h37
